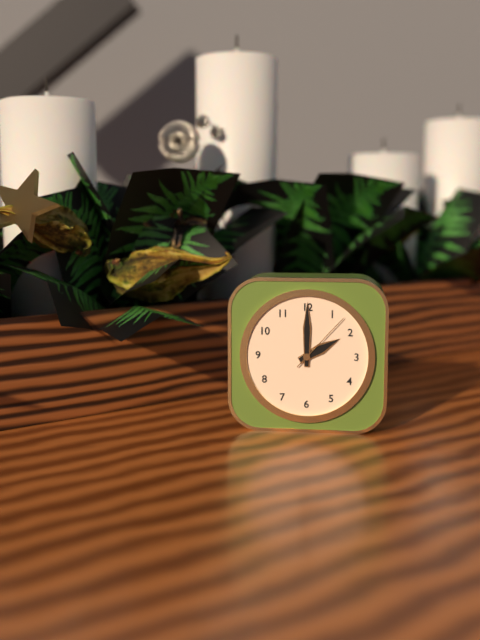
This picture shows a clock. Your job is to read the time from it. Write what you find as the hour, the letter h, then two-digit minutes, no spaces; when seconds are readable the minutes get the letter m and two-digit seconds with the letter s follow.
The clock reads 2h00m07s
